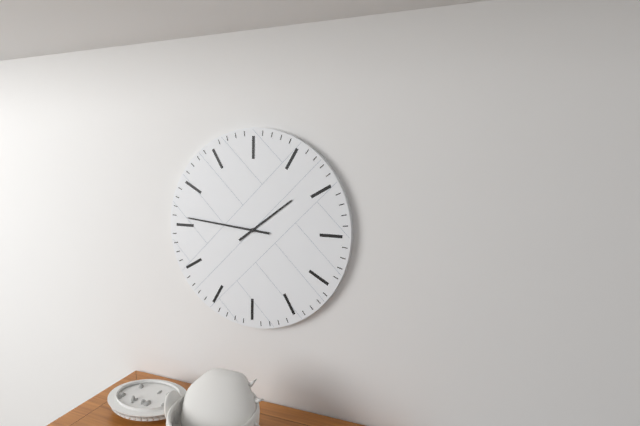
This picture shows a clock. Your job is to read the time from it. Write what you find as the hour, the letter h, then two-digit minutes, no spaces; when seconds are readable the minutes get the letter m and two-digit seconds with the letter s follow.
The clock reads 1h46
